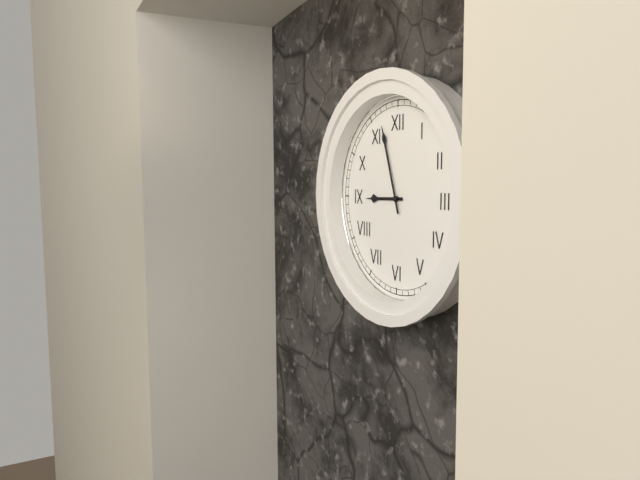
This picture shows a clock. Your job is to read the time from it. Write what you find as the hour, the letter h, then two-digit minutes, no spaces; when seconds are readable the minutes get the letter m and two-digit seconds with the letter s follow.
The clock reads 8h57
